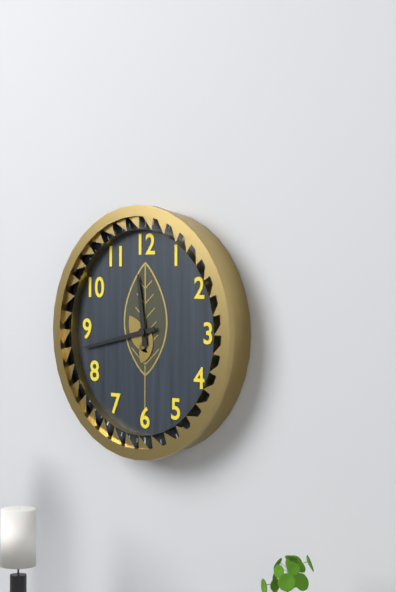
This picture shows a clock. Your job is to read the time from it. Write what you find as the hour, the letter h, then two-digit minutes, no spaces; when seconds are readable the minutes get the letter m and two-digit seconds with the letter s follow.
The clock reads 11h43
